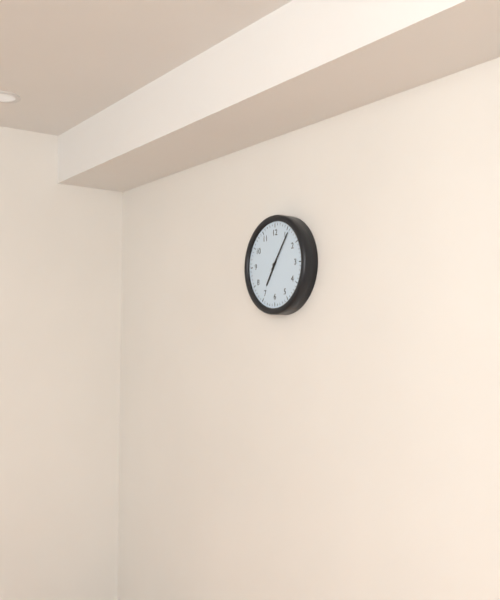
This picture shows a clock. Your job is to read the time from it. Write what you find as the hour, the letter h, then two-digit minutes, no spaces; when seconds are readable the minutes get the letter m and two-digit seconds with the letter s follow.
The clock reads 7h06
